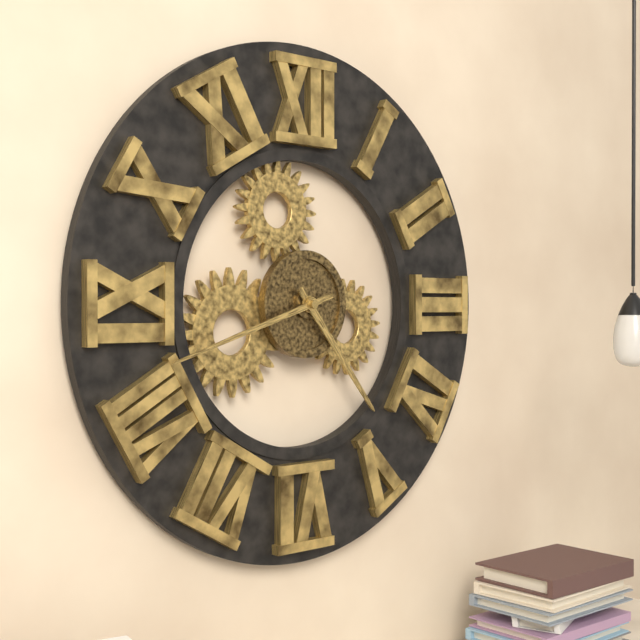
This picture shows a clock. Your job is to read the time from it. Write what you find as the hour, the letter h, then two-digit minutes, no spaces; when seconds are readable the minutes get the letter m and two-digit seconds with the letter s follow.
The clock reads 4h42
